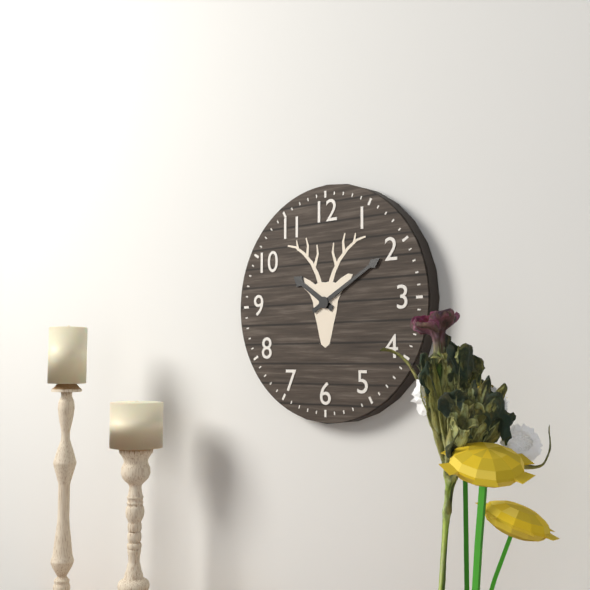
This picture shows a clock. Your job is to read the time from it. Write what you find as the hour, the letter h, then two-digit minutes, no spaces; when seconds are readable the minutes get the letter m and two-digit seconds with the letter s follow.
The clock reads 10h10
